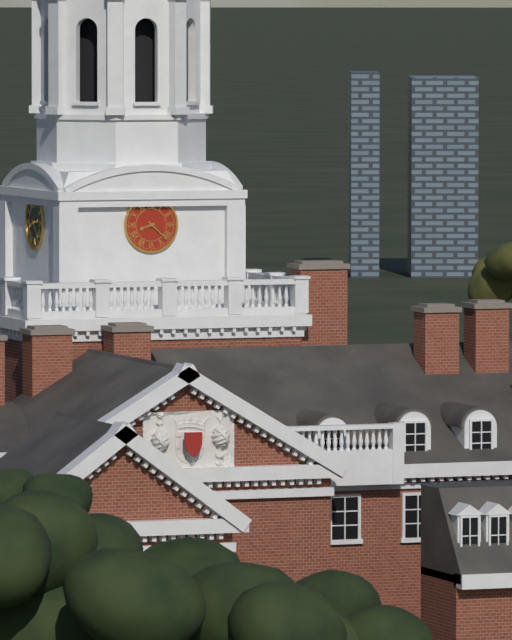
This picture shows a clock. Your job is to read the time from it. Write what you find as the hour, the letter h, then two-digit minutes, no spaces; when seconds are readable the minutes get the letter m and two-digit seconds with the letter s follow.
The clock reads 8h22
